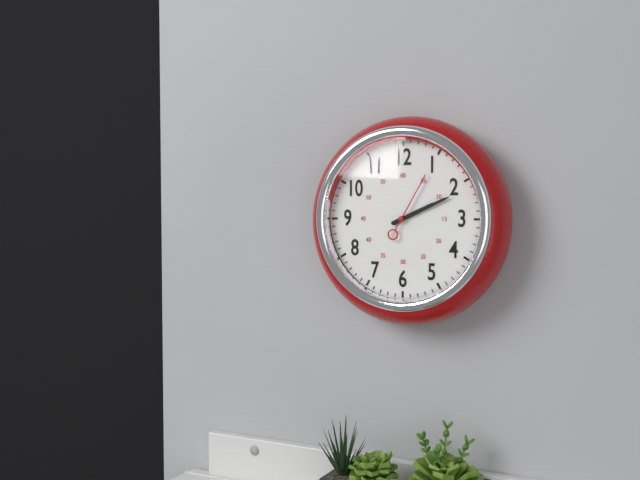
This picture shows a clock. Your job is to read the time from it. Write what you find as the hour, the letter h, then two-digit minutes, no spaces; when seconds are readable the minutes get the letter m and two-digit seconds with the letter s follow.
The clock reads 2h11m05s
